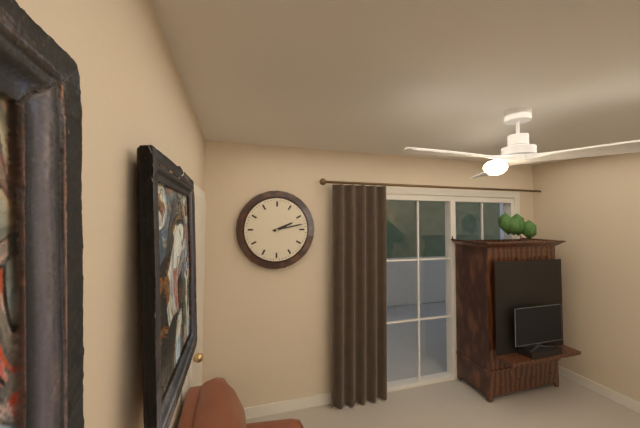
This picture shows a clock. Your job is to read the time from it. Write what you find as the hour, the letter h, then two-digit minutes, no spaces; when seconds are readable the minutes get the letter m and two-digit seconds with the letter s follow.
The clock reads 2h13
